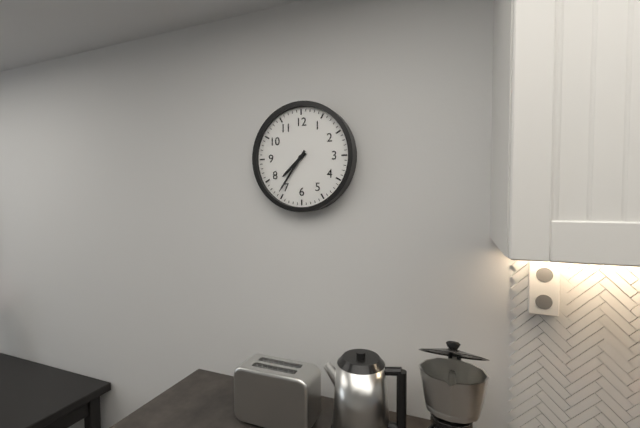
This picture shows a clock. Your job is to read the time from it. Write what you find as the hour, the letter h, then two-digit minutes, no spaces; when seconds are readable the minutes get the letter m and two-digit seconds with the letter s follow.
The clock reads 7h36
